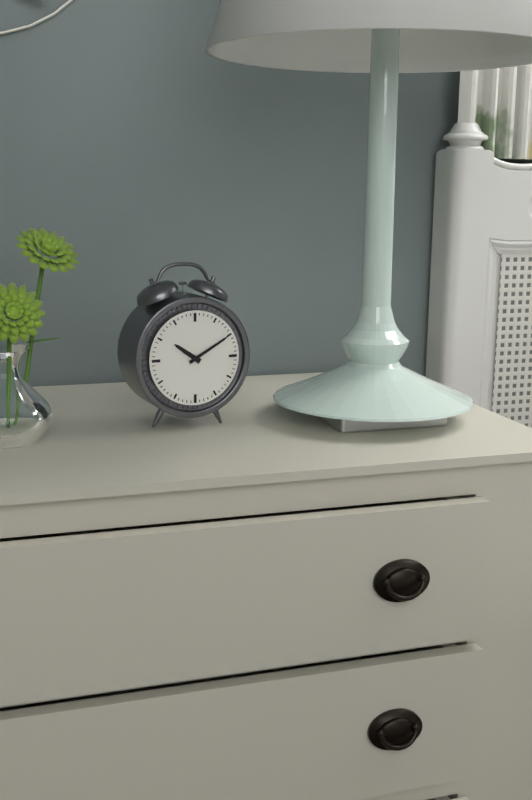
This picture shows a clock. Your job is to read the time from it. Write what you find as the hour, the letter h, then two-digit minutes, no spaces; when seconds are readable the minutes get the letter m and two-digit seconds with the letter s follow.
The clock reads 10h10
